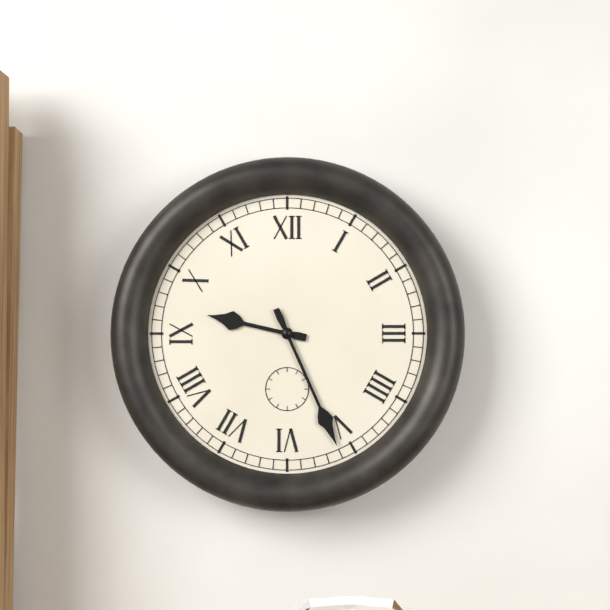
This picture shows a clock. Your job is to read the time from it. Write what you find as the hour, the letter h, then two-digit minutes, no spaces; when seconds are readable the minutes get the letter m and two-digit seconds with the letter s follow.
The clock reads 9h26
